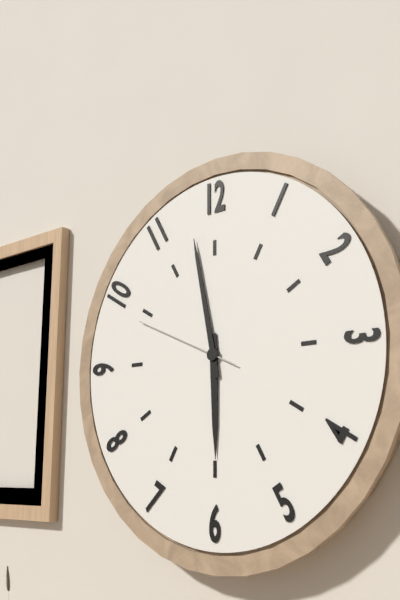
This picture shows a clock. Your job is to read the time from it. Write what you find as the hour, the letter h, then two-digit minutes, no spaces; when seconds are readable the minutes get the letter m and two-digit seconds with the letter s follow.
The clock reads 5h58m49s
